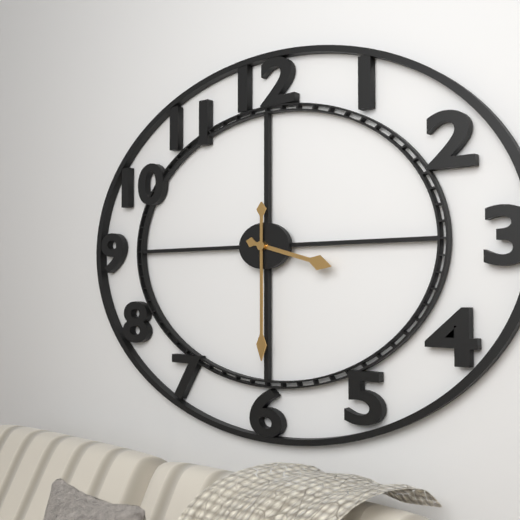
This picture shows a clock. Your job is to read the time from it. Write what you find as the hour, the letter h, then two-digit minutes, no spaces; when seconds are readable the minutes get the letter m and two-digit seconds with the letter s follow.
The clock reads 3h30
